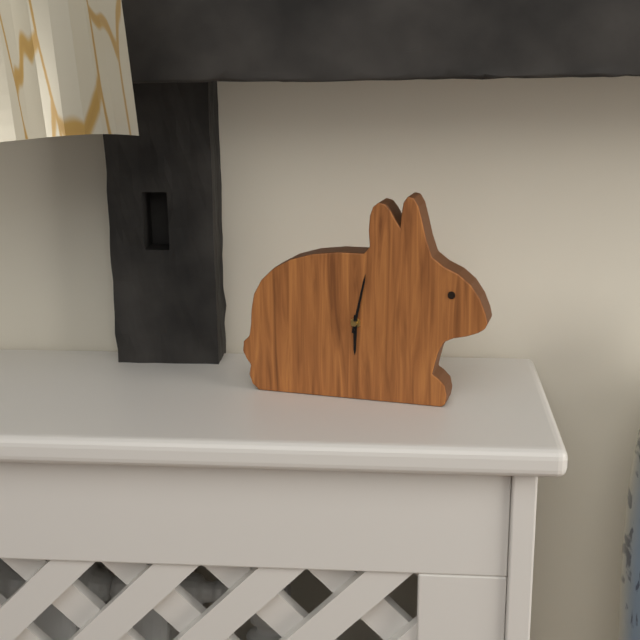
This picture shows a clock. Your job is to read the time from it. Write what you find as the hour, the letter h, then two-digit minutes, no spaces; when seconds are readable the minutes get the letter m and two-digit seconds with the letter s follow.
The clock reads 6h02
